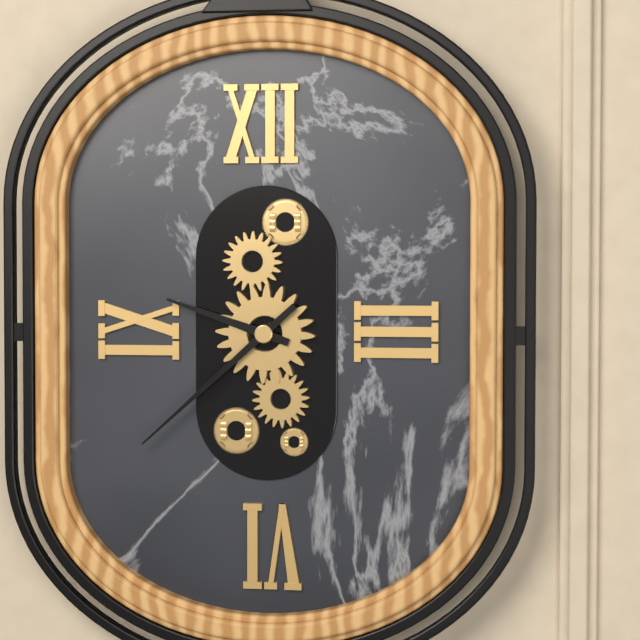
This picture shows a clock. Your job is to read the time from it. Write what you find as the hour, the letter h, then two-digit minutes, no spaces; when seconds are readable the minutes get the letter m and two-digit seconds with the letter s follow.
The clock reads 9h38
